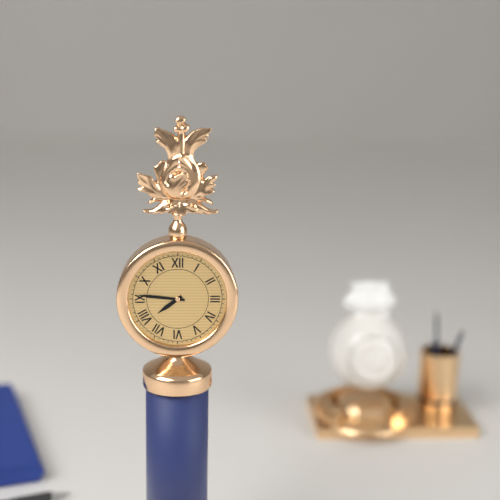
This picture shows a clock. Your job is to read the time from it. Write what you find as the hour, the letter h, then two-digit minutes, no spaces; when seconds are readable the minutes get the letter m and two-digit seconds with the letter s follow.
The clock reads 7h46
